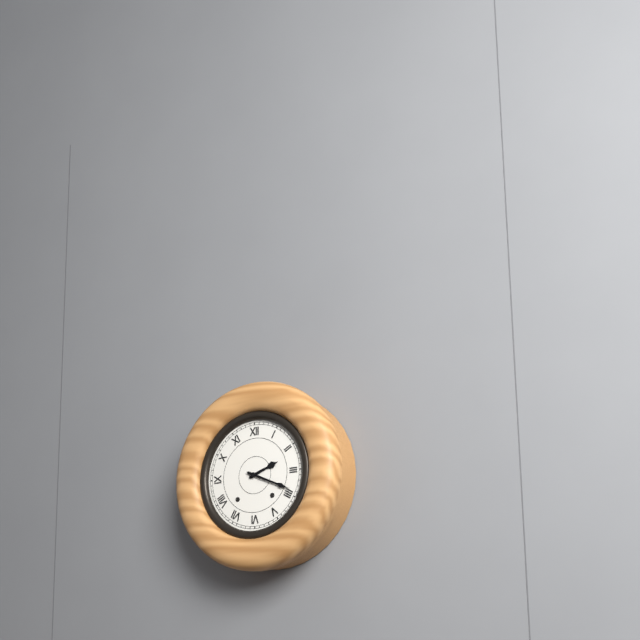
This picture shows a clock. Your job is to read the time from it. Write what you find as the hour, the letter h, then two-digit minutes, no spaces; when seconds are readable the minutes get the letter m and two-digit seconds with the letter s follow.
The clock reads 2h19
